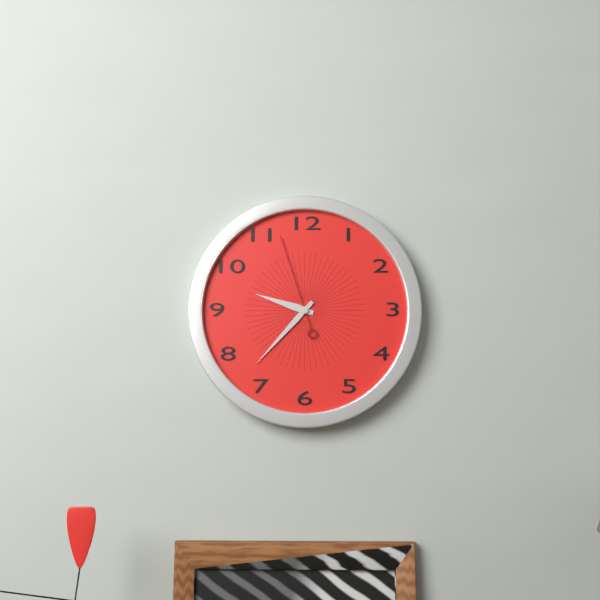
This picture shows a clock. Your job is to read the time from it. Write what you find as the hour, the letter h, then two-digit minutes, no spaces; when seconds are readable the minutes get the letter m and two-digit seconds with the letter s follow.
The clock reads 9h37m57s
